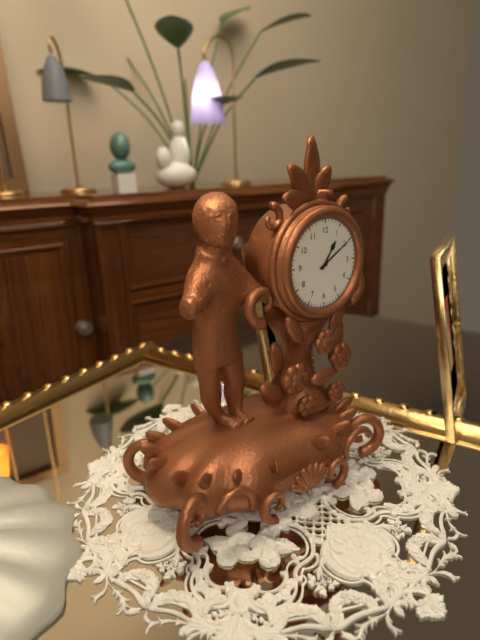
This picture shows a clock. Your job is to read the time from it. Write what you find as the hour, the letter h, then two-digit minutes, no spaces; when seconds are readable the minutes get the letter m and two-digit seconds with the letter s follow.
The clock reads 1h10
